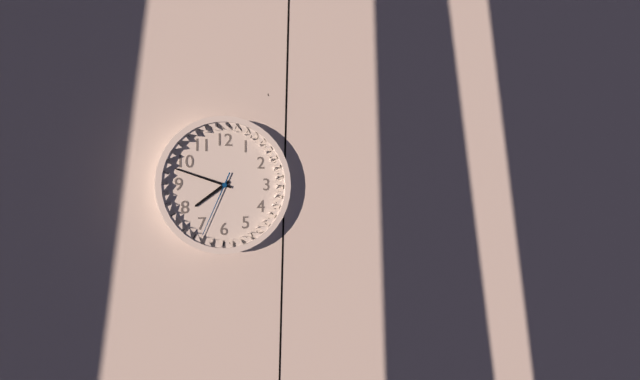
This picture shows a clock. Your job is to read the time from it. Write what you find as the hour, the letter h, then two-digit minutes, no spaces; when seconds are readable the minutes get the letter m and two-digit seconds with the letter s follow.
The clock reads 7h48m34s
